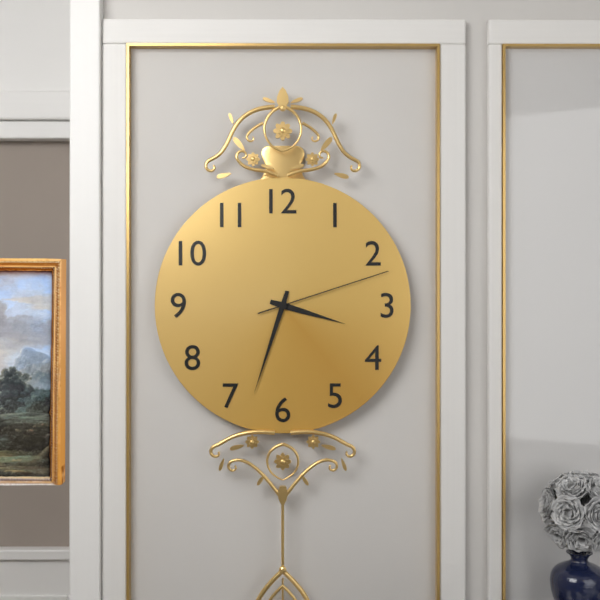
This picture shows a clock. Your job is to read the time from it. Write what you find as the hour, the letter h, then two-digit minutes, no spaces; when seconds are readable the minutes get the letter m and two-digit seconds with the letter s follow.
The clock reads 3h33m12s
